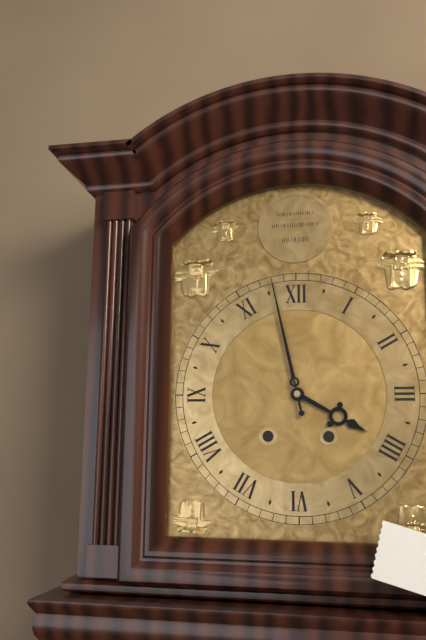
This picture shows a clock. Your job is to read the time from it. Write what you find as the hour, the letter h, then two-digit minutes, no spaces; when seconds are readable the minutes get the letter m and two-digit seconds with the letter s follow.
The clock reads 3h58
